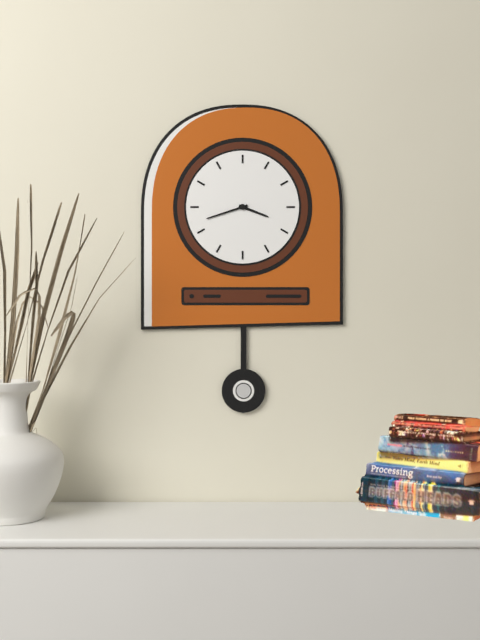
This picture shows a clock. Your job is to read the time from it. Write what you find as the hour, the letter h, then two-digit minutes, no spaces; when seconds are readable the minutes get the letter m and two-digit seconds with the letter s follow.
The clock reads 3h42
